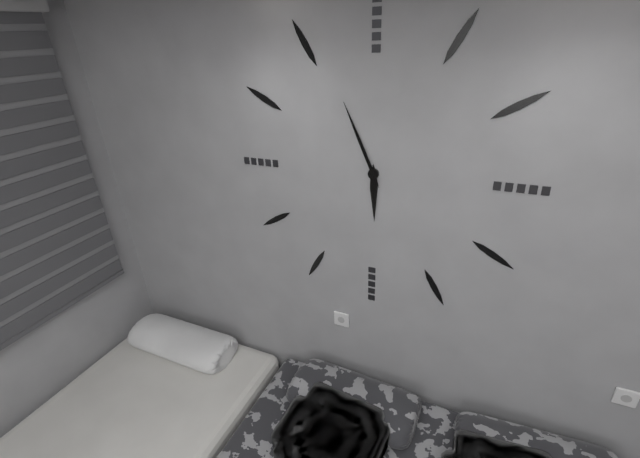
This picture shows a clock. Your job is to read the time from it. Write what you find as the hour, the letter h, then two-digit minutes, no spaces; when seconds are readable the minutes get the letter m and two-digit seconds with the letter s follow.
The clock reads 5h56
